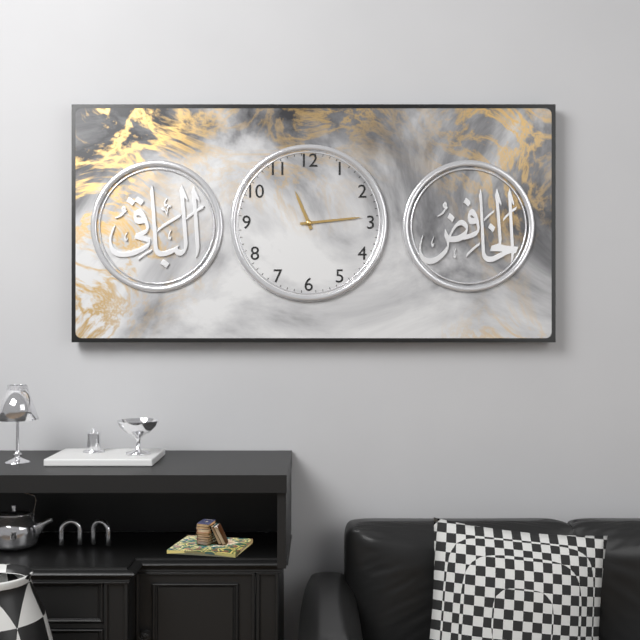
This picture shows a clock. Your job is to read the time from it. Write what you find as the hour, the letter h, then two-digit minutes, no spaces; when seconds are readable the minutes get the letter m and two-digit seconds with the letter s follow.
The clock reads 11h14
